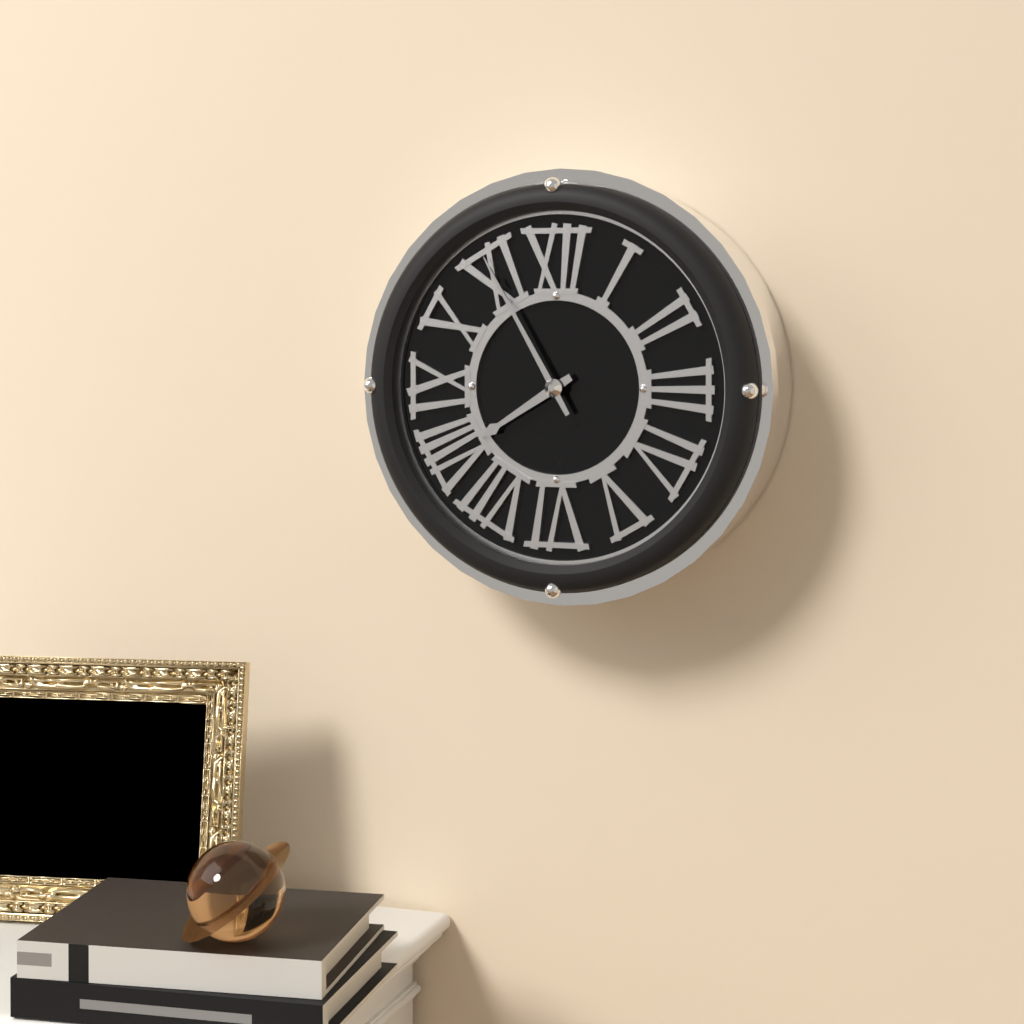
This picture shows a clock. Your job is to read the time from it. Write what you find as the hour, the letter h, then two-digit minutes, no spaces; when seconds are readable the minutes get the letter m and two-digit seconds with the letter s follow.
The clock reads 7h55
